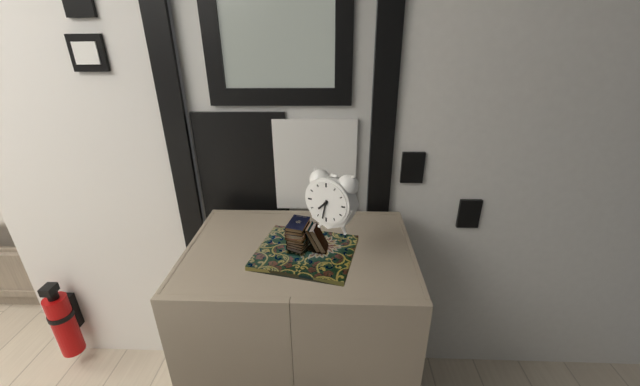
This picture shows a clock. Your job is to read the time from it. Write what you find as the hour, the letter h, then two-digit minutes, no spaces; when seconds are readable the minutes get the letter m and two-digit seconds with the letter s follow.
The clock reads 7h32
